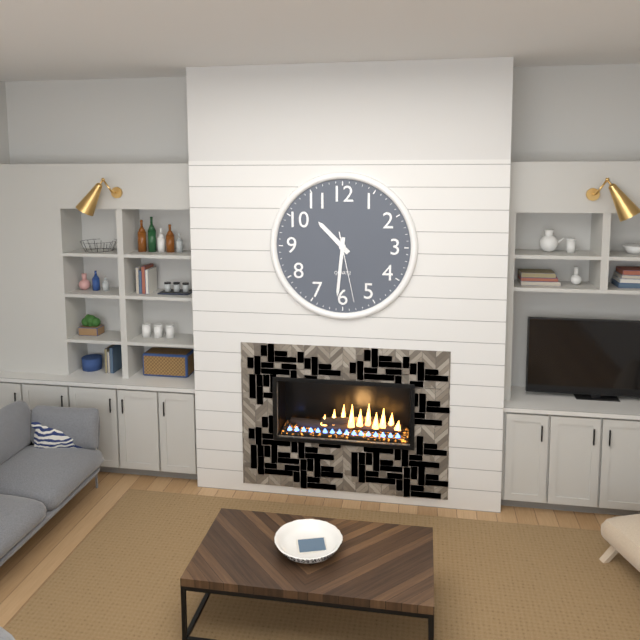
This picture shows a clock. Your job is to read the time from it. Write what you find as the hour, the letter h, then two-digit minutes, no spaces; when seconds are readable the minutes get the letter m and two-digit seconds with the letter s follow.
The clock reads 10h31m28s
